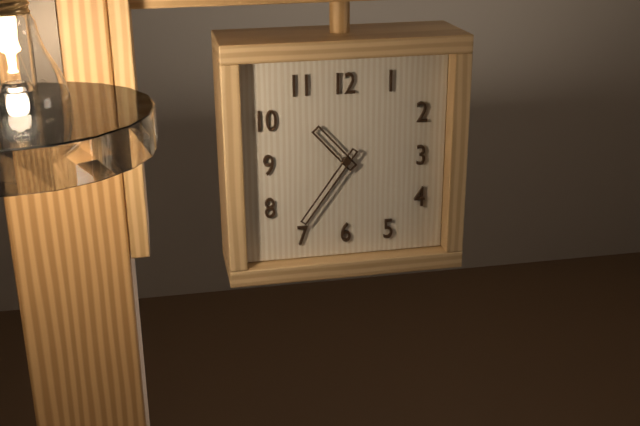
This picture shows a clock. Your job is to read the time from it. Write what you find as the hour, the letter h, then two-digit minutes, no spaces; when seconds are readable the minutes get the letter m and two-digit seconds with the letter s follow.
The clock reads 10h36
